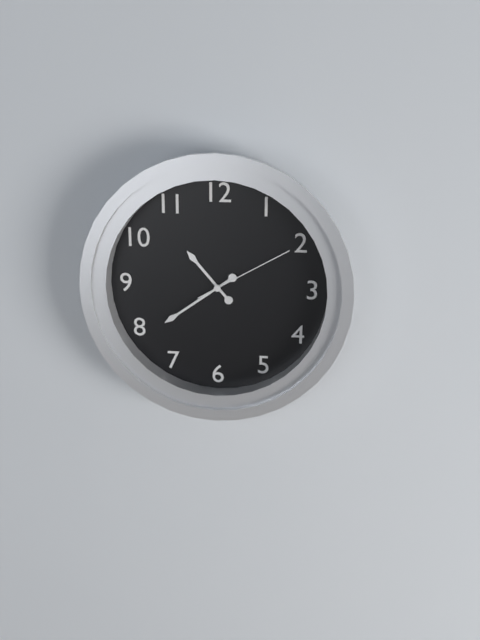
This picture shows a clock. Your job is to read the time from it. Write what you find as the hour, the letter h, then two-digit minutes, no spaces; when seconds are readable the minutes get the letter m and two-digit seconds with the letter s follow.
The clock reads 10h39m10s
